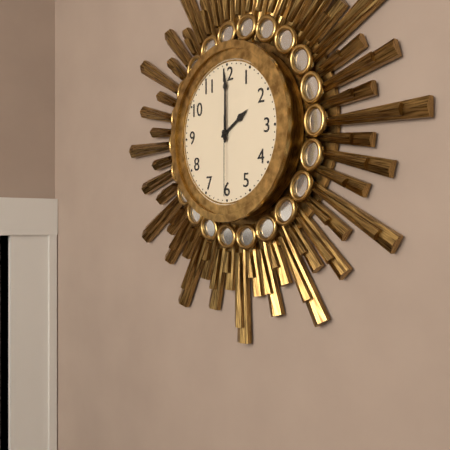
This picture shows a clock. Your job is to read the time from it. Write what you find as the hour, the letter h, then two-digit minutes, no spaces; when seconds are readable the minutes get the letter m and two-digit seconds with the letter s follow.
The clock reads 2h00m30s
